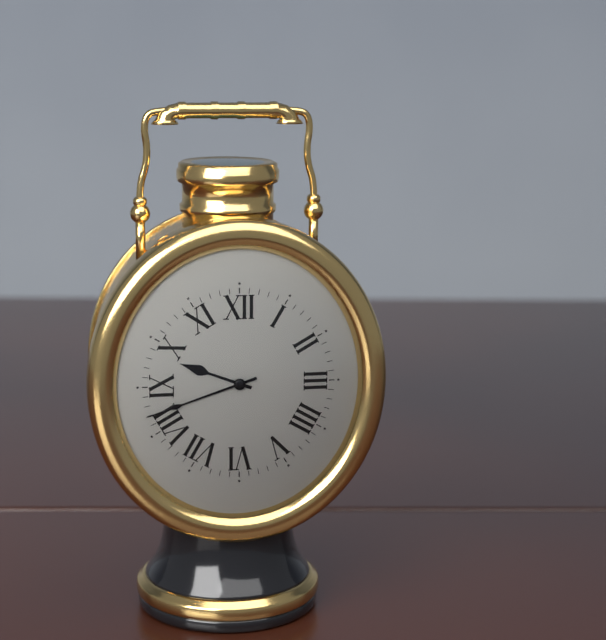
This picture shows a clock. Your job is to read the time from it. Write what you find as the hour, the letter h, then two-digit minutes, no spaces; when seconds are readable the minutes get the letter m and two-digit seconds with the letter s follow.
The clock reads 9h42
